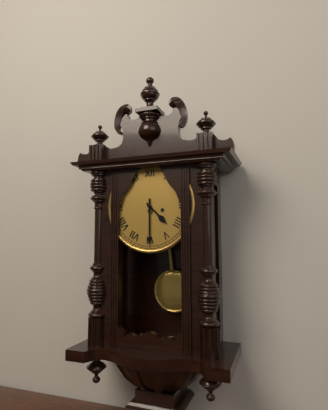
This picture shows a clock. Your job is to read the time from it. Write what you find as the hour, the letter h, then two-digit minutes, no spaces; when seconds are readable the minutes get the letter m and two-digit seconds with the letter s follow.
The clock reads 4h30
